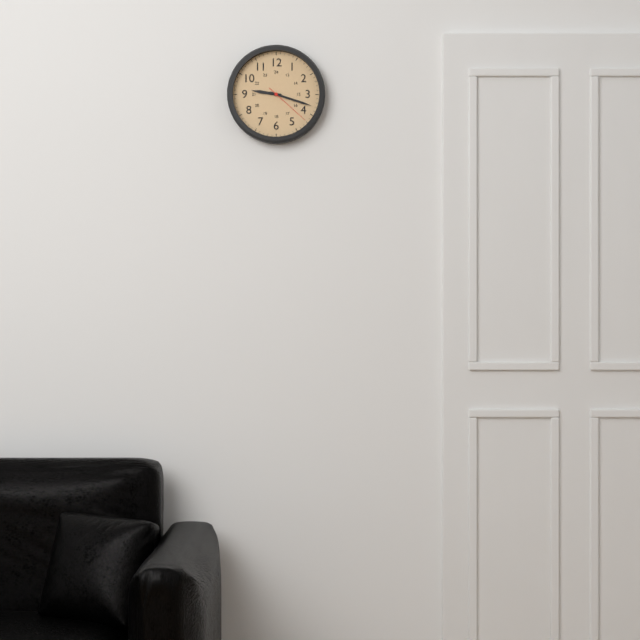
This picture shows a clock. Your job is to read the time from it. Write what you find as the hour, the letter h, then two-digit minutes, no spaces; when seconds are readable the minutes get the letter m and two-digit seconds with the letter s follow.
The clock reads 9h18
